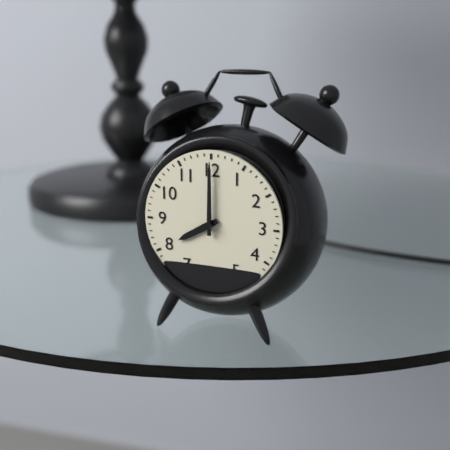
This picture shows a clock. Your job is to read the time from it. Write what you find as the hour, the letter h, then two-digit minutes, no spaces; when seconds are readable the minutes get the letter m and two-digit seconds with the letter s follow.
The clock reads 8h00
